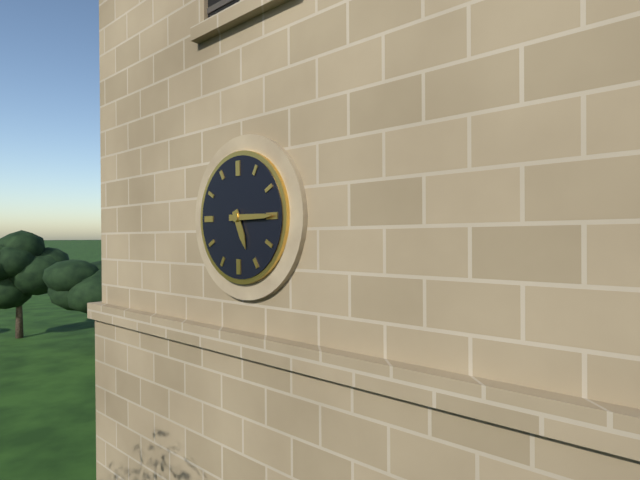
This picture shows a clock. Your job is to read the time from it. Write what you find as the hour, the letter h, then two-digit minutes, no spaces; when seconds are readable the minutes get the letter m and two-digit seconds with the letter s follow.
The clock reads 5h15
